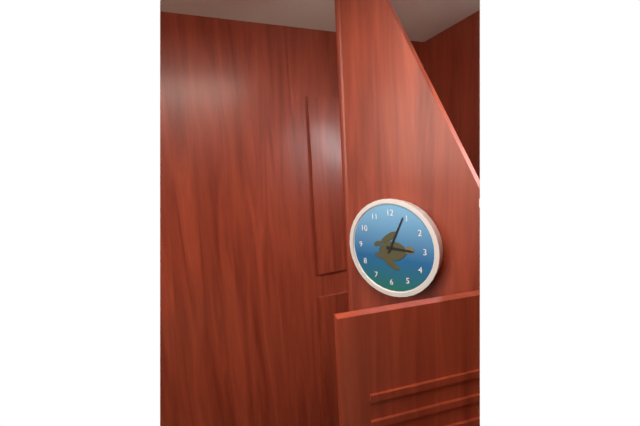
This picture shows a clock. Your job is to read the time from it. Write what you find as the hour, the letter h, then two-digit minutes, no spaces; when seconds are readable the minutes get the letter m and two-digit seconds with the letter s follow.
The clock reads 3h04
